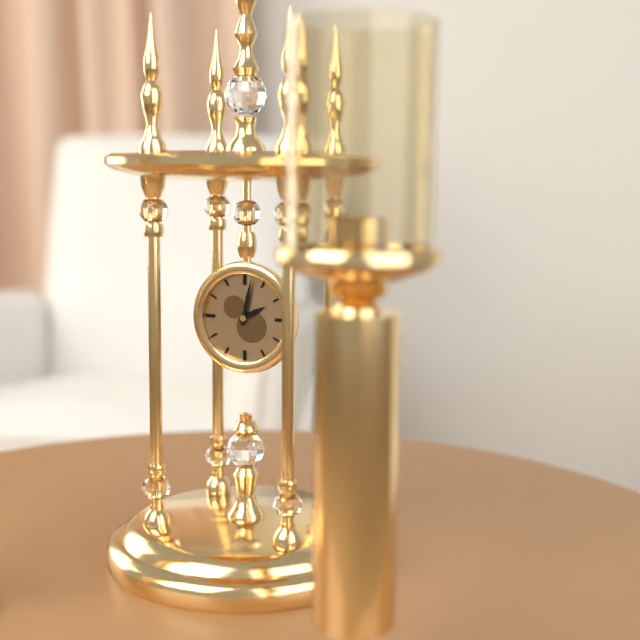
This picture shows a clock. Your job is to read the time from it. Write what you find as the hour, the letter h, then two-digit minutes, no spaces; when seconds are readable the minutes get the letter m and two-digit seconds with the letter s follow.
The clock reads 2h02
